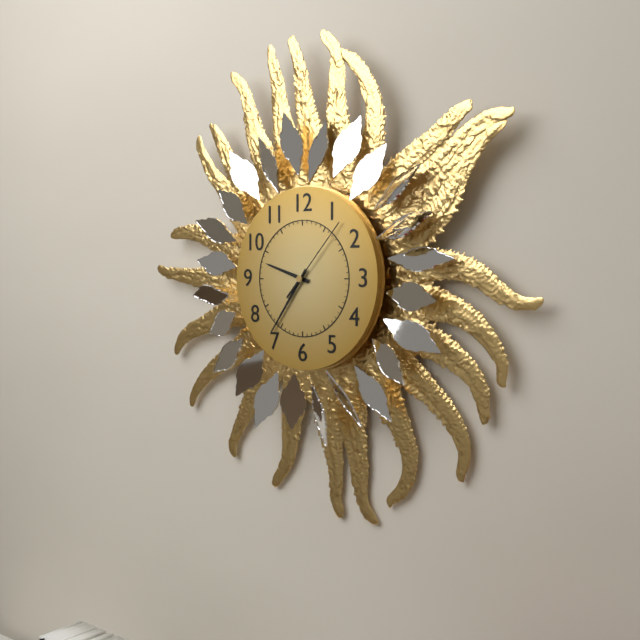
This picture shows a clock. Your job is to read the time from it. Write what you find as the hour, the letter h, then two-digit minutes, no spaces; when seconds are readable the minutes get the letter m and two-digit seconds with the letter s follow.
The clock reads 9h36m07s
